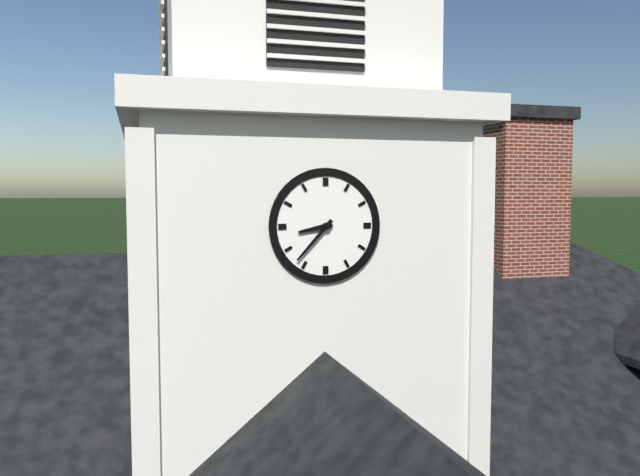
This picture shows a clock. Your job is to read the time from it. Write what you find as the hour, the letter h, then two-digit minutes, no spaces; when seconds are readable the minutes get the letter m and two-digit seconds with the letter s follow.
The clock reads 8h37
